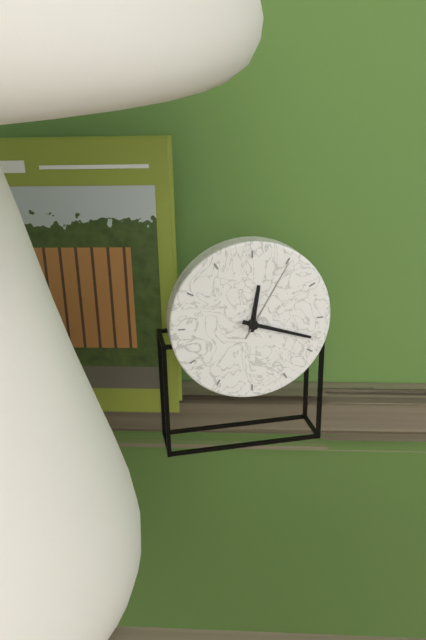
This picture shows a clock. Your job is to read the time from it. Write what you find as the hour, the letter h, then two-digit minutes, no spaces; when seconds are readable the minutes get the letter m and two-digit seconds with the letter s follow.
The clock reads 12h18m05s
